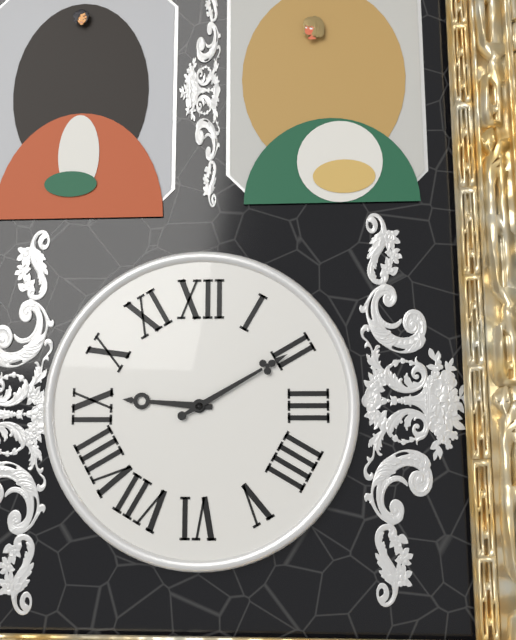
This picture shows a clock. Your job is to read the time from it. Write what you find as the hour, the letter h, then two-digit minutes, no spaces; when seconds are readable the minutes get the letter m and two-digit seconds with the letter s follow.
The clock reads 9h10
